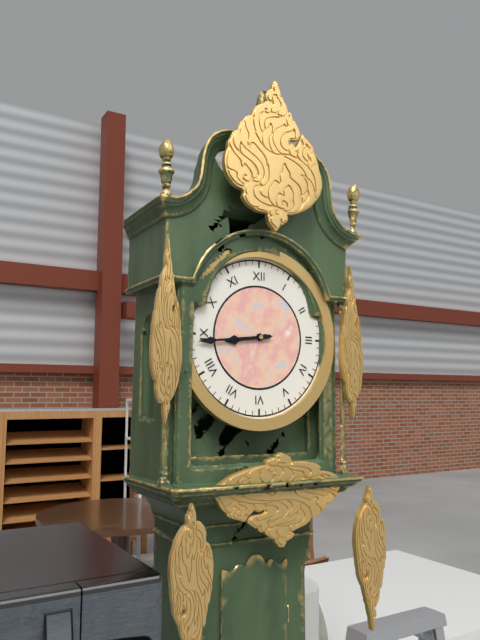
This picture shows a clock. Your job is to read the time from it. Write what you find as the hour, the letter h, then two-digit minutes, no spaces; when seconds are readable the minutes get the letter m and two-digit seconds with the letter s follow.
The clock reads 8h44
